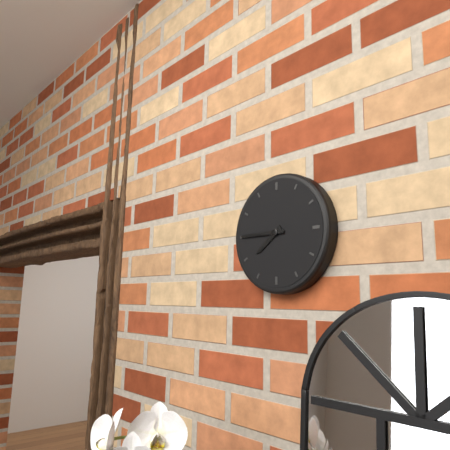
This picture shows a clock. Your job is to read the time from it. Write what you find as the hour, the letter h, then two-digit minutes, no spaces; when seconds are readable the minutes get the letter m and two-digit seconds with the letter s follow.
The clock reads 7h45
